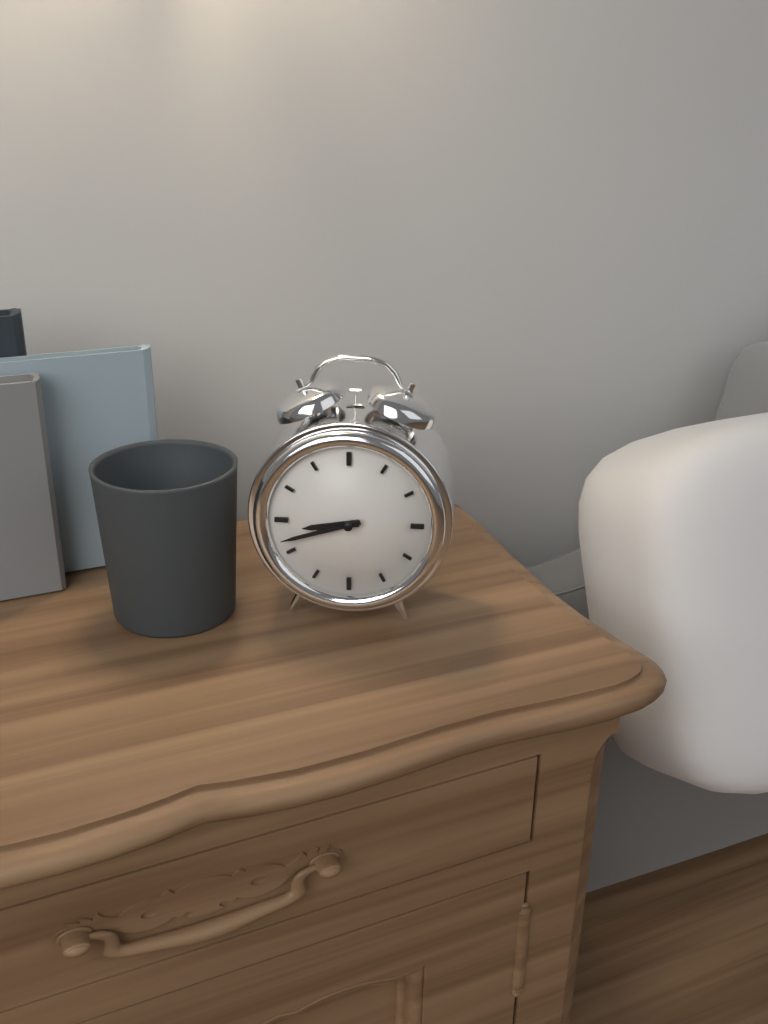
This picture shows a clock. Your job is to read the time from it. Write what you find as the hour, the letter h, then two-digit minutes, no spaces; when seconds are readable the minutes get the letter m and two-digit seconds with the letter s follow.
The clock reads 8h42
